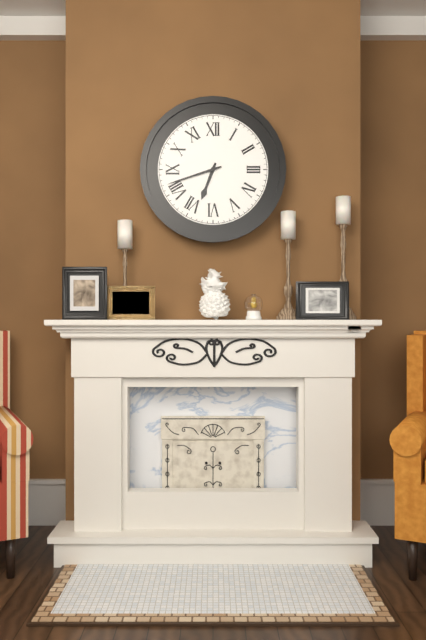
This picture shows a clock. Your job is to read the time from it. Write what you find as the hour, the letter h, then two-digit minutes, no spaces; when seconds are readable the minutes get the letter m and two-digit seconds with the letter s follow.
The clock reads 6h42
